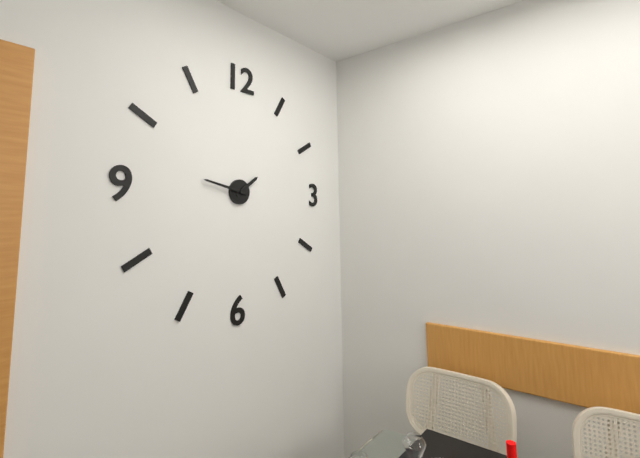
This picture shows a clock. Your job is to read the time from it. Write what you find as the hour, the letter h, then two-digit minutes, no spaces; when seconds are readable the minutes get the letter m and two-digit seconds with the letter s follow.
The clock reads 1h47
